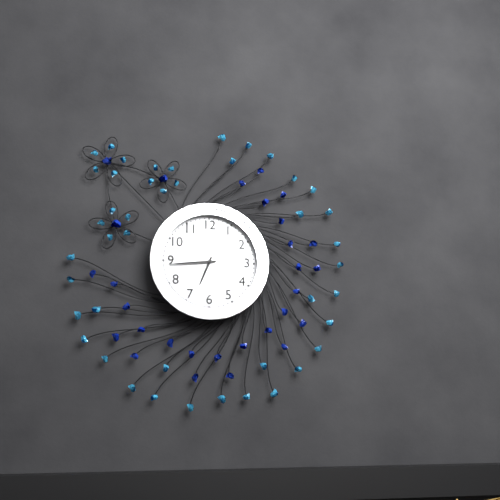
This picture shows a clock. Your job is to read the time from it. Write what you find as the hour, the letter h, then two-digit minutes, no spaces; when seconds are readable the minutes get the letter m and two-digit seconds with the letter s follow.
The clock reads 6h44
